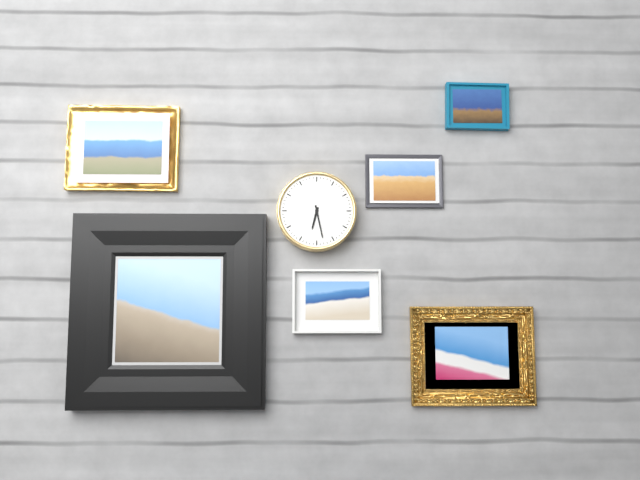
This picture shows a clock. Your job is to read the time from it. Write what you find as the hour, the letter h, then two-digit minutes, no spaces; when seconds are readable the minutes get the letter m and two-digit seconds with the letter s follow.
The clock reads 6h28
